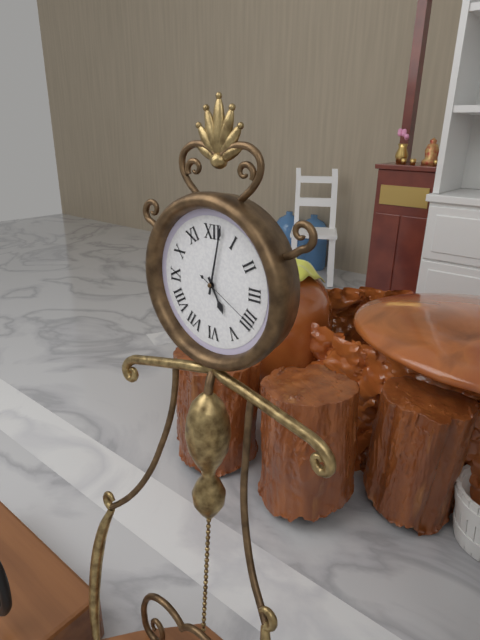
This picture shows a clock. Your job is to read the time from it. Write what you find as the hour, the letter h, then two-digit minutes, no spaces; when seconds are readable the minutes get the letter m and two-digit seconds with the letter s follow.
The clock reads 5h02m20s
